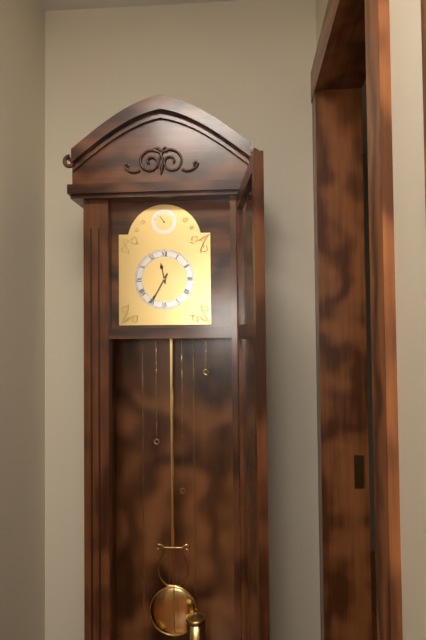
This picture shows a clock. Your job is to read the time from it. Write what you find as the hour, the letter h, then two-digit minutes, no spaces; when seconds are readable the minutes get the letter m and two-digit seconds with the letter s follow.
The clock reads 11h35
